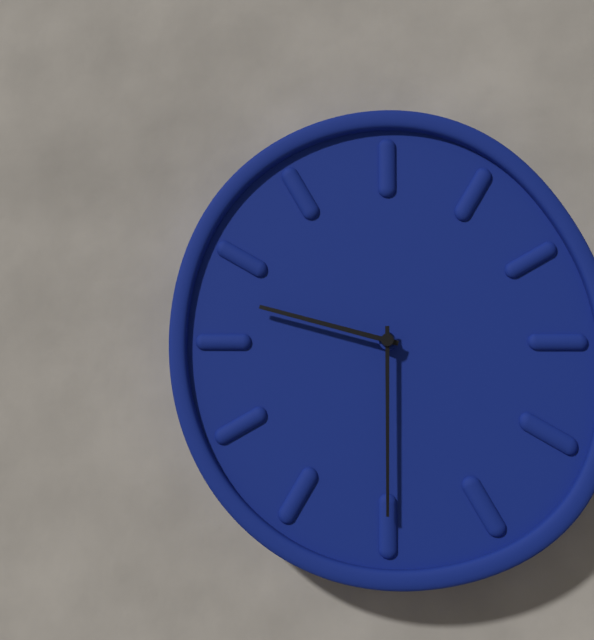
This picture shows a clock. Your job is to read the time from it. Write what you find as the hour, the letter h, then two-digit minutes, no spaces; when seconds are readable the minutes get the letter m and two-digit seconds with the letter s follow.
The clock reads 9h30
